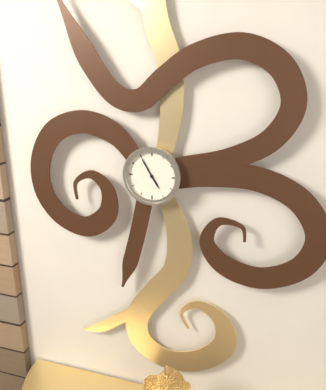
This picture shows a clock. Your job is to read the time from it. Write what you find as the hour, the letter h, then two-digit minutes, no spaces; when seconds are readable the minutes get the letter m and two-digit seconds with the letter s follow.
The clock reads 4h55
